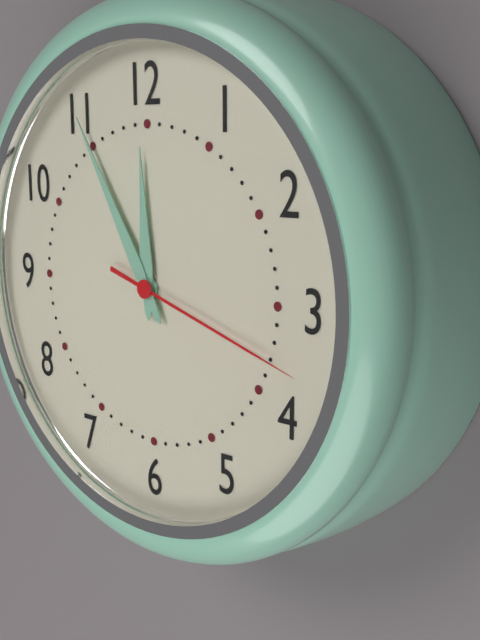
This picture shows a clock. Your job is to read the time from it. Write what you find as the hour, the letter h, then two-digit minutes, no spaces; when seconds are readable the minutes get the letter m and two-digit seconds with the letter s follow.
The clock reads 11h55m18s
